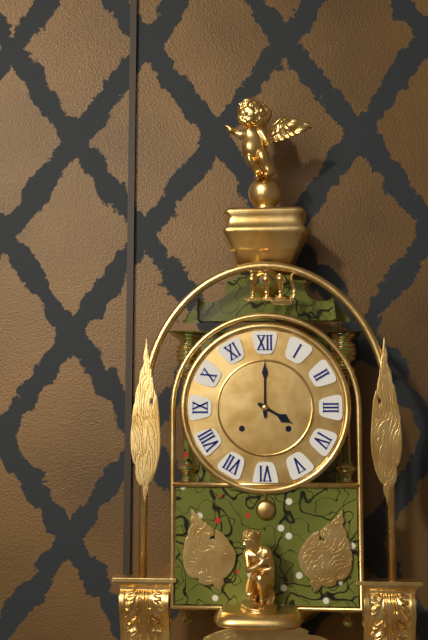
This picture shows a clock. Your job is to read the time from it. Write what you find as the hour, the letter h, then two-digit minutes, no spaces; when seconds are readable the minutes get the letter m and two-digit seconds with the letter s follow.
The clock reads 4h00
